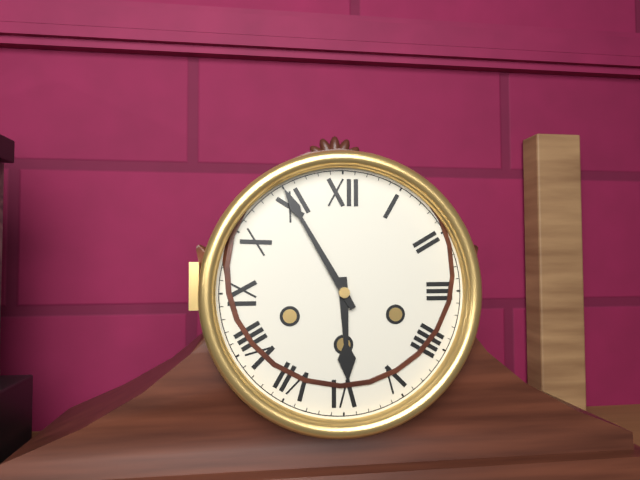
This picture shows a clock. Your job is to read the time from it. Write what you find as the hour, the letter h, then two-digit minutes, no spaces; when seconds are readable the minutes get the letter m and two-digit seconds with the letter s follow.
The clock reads 5h55
